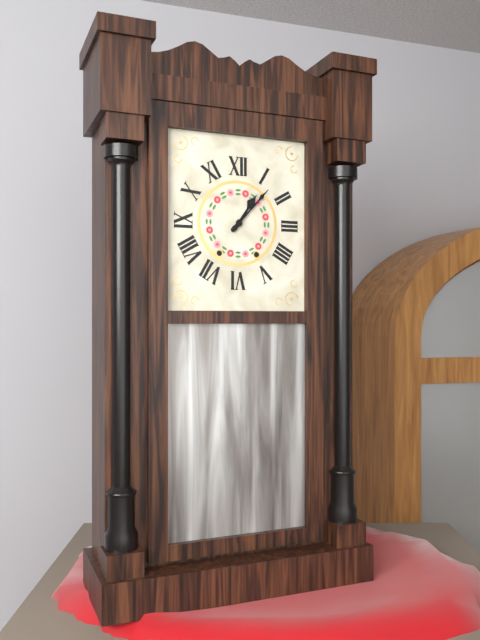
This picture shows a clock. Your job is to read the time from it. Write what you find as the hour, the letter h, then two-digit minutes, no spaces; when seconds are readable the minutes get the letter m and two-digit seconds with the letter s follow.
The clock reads 1h07
